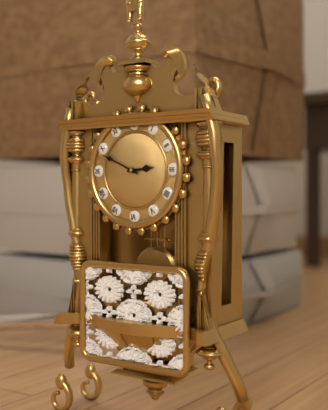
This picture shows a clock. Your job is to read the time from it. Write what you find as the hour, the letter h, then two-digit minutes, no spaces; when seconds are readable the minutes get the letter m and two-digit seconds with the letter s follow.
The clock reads 2h49
